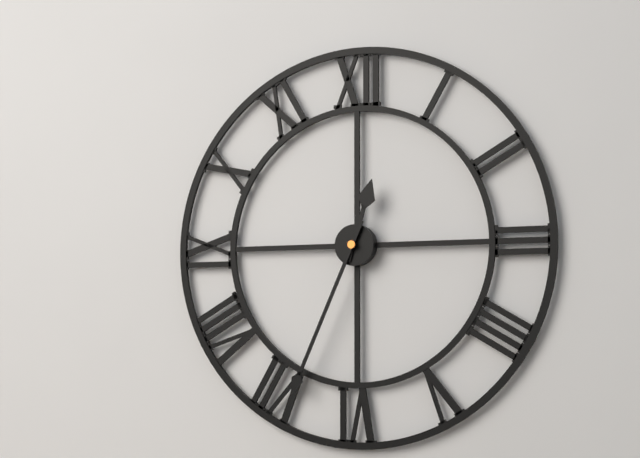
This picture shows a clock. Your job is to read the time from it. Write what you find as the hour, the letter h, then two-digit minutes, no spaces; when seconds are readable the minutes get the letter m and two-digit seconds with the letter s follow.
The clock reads 12h34
